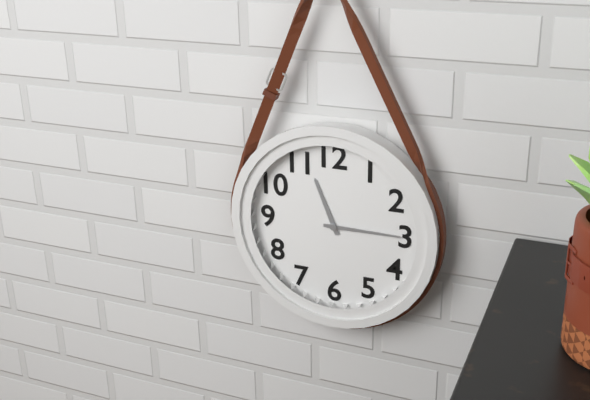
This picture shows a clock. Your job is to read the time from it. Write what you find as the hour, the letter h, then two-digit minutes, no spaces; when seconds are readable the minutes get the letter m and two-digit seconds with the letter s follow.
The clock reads 11h15
